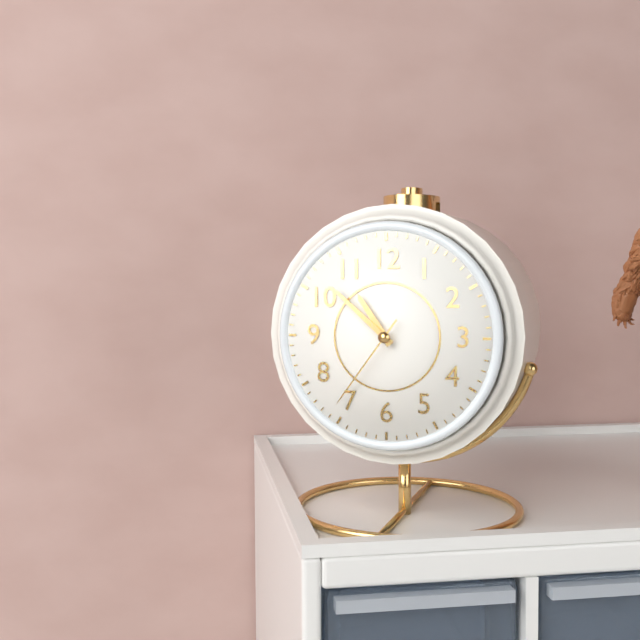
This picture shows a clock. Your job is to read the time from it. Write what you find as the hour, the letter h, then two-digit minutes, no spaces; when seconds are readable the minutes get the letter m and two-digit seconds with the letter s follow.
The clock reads 10h52m36s
